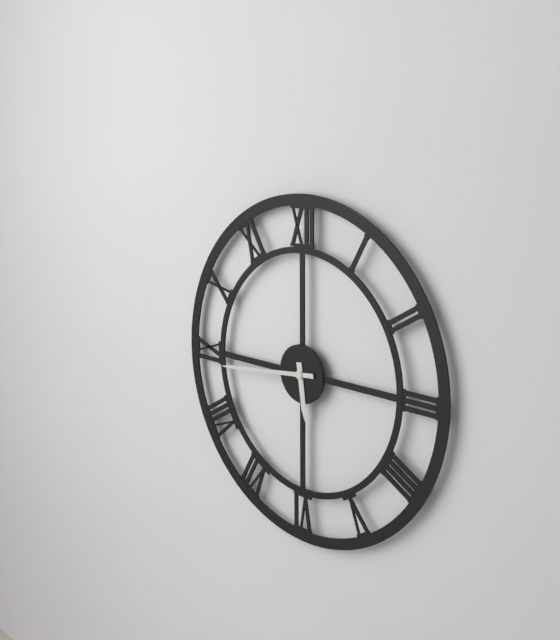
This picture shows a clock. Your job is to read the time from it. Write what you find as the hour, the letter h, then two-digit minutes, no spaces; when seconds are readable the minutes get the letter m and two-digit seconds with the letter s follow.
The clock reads 5h44
